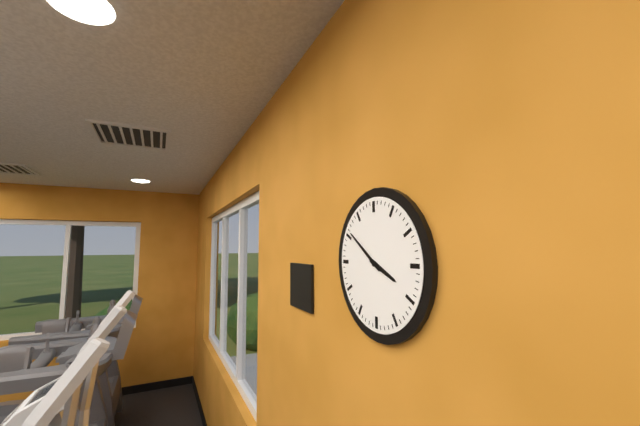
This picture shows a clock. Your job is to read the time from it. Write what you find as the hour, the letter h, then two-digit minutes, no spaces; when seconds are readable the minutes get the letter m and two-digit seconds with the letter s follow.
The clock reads 3h51
